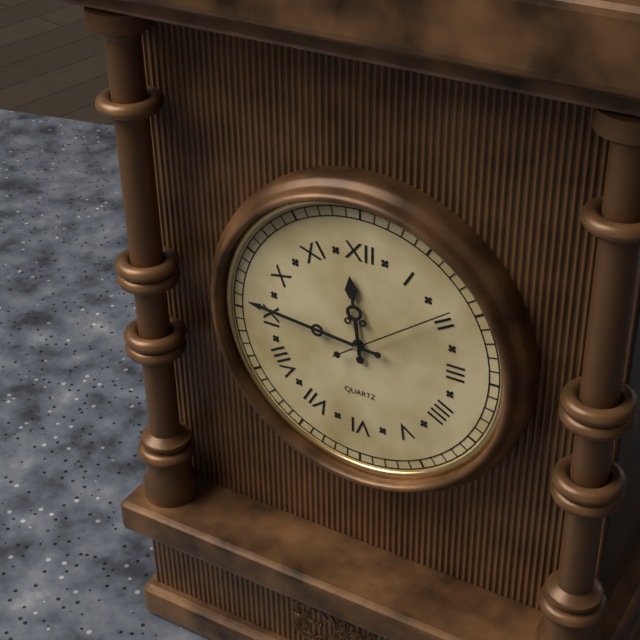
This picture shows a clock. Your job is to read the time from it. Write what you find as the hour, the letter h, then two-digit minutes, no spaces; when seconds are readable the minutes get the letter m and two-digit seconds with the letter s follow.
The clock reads 11h46m09s
